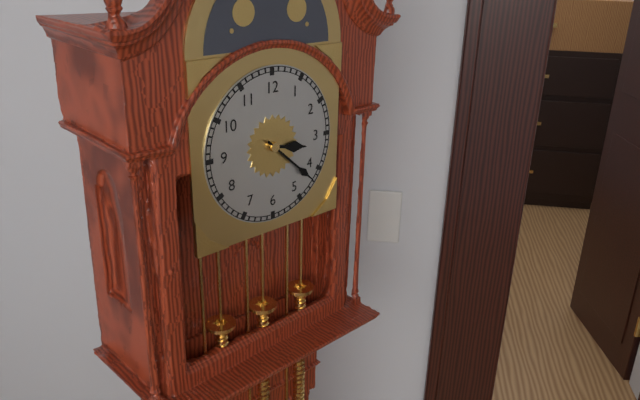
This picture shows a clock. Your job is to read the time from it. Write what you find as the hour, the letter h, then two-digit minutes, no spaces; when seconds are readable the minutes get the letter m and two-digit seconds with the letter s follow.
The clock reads 3h22
